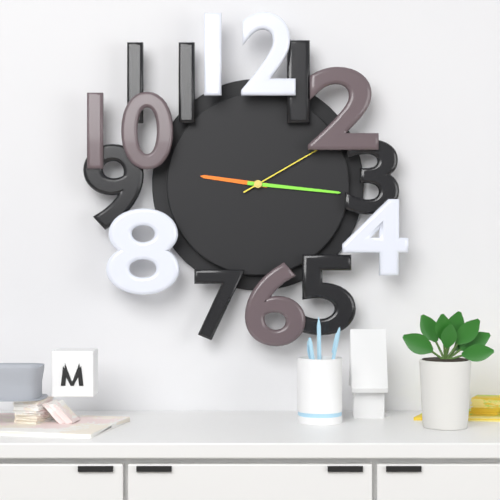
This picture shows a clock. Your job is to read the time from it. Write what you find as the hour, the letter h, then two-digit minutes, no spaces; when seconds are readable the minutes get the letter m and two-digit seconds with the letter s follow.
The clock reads 9h16m10s
